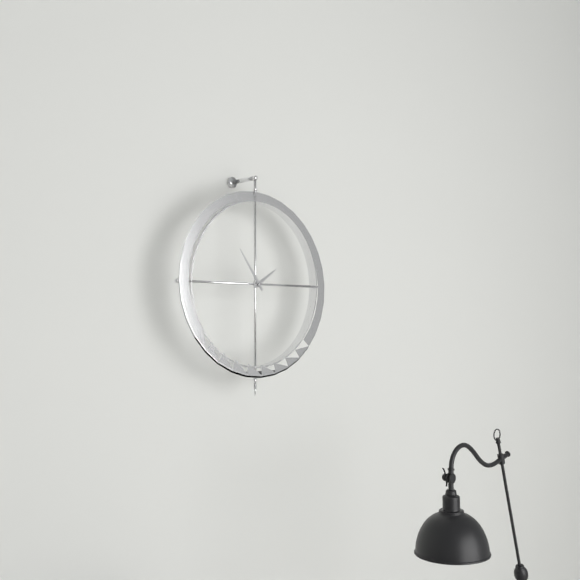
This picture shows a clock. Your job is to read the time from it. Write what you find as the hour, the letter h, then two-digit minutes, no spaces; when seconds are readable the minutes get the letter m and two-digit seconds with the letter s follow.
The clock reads 1h54
